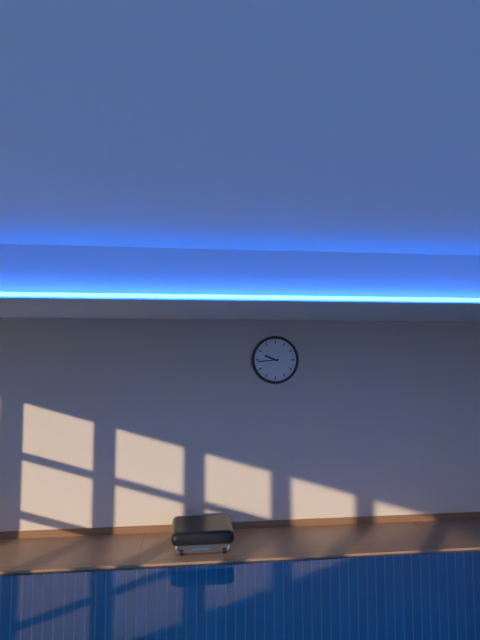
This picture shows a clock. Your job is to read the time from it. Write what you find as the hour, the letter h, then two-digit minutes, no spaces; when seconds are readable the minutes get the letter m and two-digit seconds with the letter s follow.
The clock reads 9h44
